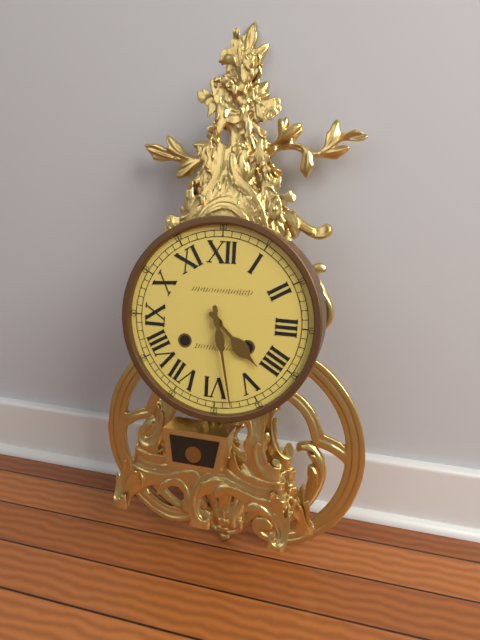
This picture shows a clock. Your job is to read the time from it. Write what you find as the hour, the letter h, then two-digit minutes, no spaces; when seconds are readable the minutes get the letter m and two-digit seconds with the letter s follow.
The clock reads 4h28
